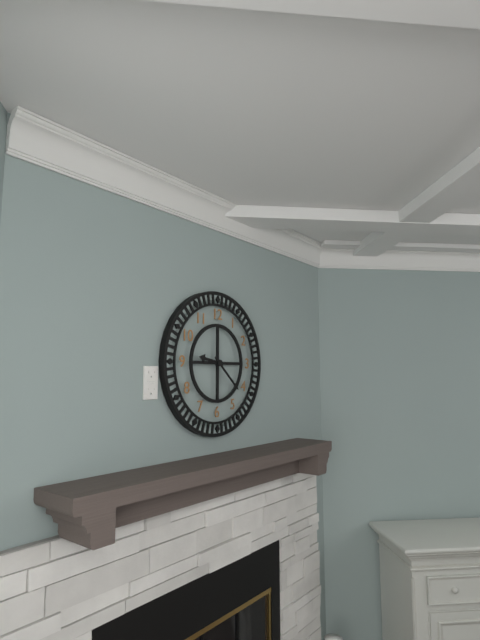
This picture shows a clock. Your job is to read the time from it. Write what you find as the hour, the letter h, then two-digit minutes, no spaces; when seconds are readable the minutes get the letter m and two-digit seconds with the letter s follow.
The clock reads 9h22
